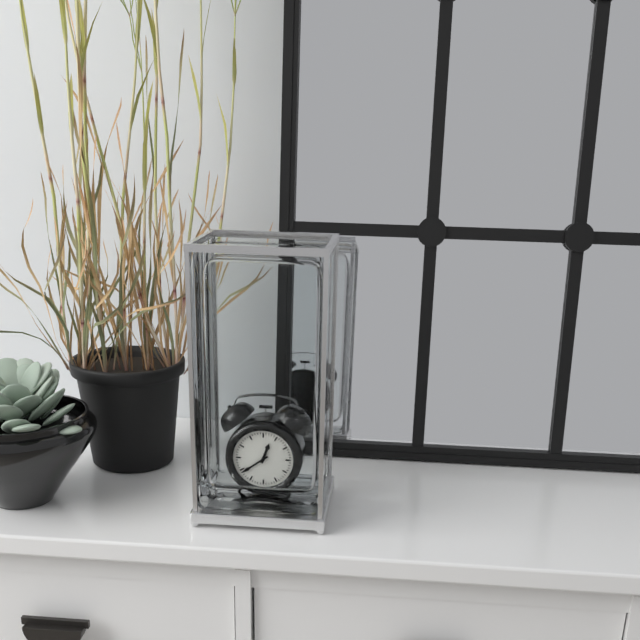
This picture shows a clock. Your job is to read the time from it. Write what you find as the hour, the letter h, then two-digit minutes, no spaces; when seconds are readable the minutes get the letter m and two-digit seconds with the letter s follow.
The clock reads 12h39
